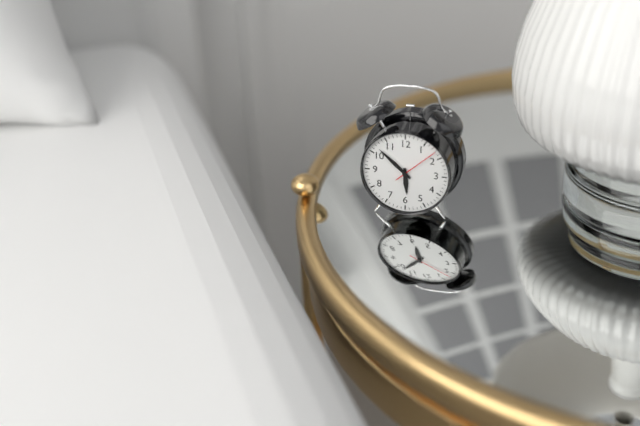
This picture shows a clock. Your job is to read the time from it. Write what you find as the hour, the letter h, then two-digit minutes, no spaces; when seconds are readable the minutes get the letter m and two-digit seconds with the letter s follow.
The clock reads 5h52
